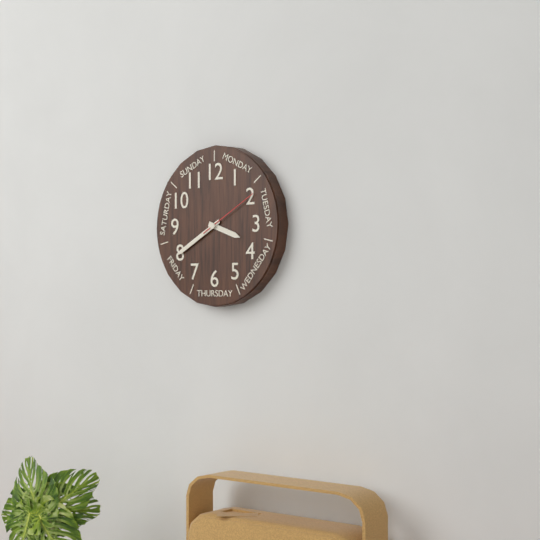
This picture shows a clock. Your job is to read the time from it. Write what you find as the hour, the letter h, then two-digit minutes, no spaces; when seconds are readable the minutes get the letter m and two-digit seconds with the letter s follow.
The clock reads 3h40m10s
